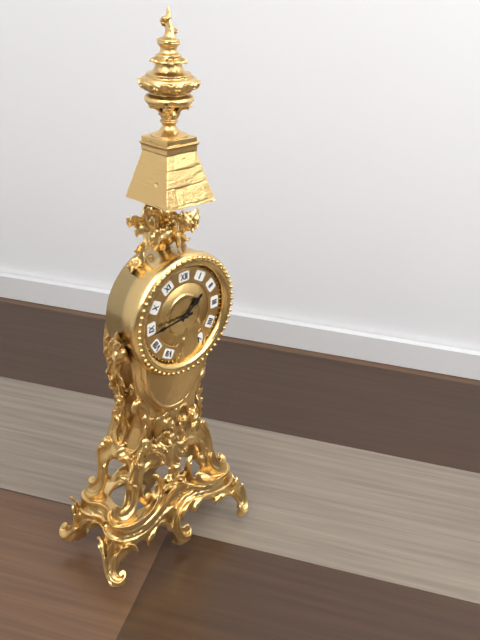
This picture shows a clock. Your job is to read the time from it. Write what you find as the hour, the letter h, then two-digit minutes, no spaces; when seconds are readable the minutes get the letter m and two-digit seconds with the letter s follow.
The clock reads 1h44
